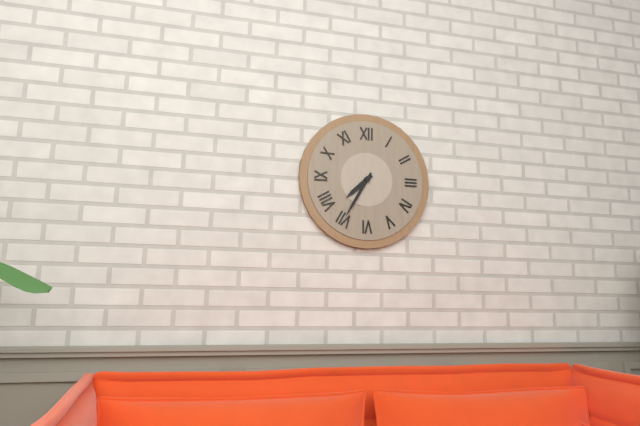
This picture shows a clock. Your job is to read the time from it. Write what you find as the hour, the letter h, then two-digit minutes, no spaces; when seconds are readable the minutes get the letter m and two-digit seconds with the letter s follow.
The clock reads 7h35
